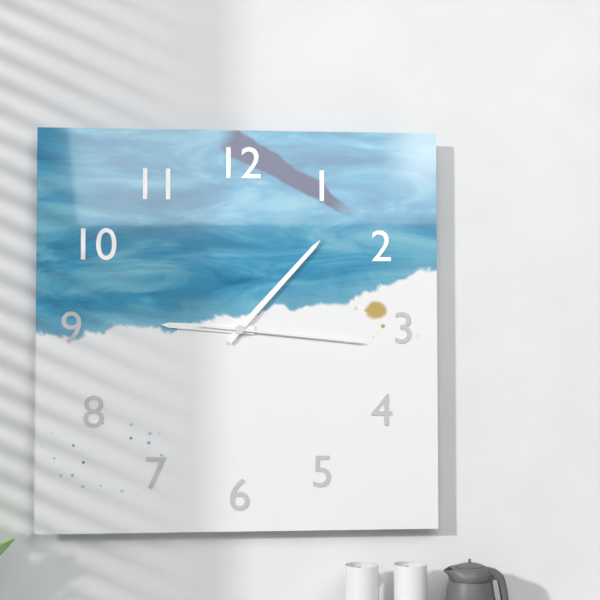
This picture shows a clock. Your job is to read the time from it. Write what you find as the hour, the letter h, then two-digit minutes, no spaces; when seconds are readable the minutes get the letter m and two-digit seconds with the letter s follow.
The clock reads 9h07m16s
